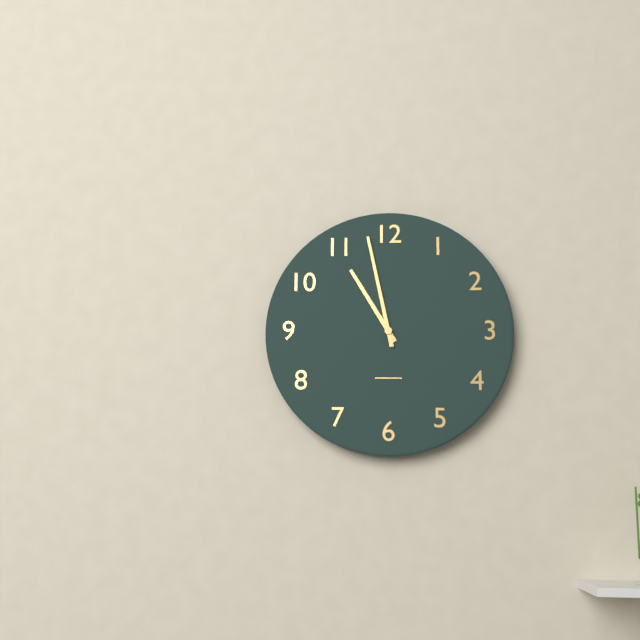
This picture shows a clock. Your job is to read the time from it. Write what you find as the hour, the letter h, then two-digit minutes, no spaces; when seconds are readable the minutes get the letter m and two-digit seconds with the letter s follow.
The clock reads 10h58
